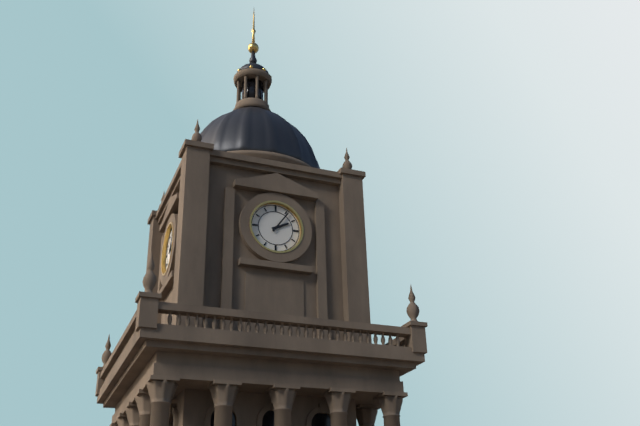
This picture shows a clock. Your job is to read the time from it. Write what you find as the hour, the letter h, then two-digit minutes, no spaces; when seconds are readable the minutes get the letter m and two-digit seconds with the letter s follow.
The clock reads 2h06
